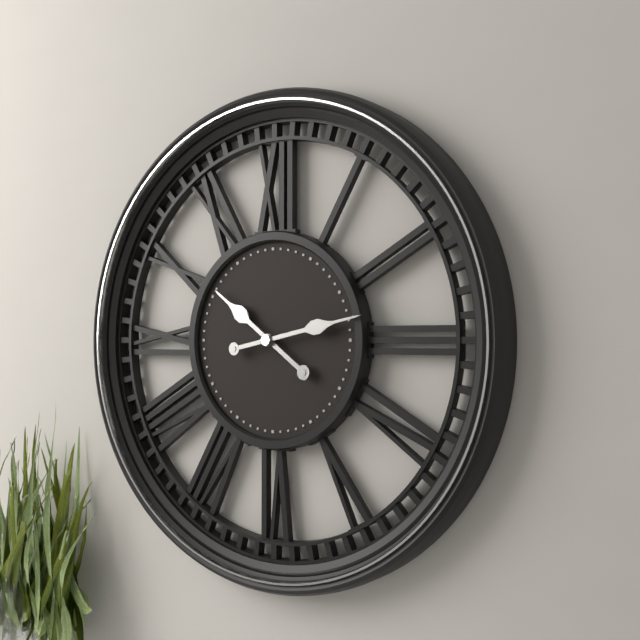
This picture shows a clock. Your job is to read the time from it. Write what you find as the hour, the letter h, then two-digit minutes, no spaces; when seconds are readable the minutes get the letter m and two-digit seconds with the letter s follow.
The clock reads 10h13
